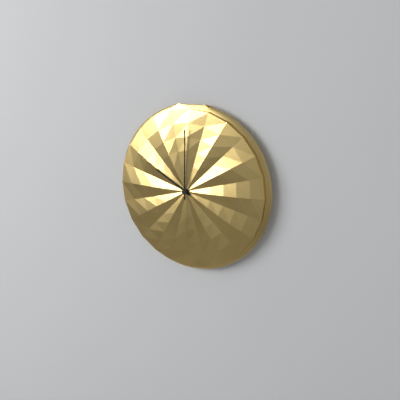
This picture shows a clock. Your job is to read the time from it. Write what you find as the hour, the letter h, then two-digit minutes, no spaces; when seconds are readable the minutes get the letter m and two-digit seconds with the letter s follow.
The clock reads 10h00
